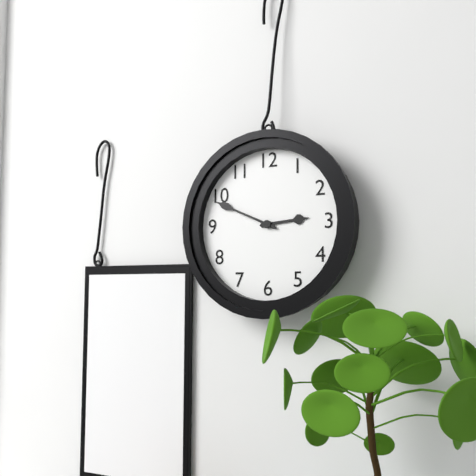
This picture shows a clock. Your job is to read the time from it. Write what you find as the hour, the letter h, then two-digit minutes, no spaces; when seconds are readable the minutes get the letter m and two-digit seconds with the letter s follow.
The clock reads 2h49
